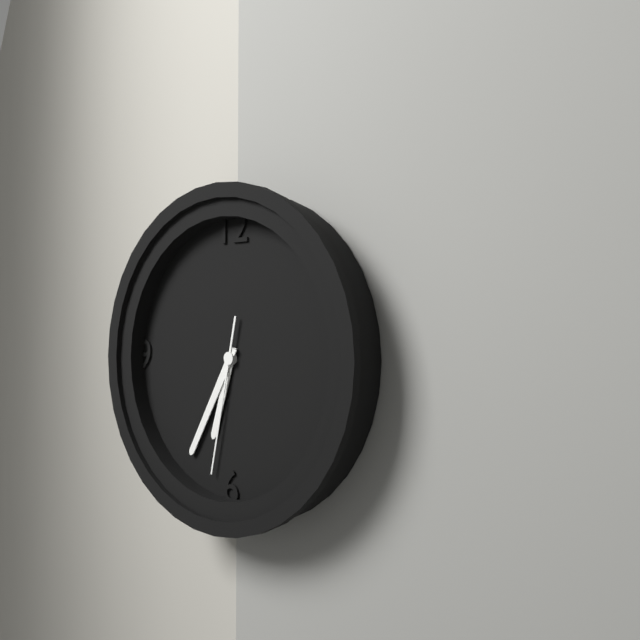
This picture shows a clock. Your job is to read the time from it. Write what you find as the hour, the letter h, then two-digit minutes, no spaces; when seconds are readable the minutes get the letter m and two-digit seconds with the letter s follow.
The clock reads 6h35m32s
